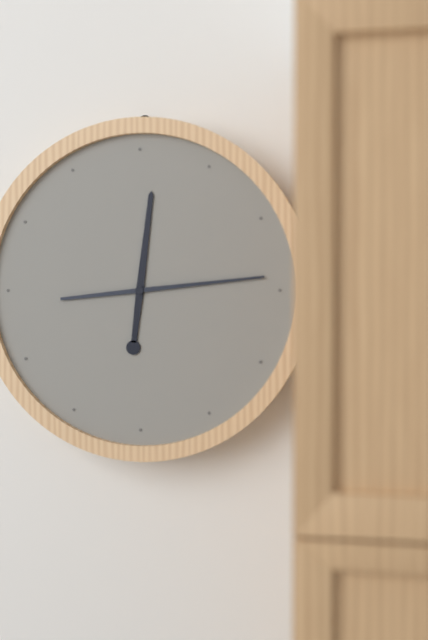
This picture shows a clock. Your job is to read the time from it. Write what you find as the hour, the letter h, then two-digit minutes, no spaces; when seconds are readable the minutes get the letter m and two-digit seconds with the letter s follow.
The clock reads 12h14
